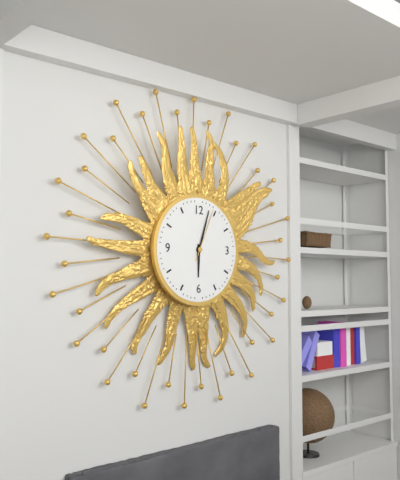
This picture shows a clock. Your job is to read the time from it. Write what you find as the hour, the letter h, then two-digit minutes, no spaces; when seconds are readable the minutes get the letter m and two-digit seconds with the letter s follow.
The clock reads 6h03m04s
